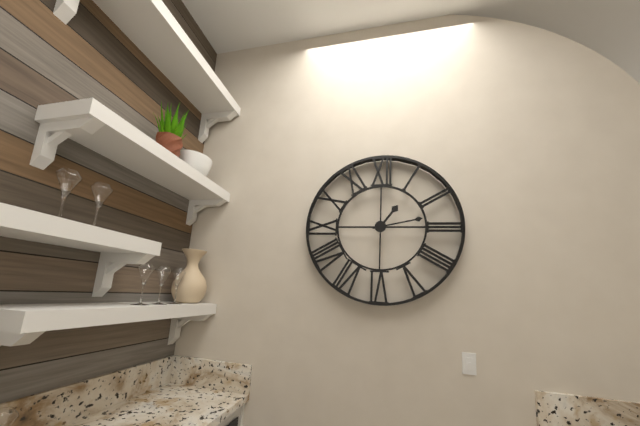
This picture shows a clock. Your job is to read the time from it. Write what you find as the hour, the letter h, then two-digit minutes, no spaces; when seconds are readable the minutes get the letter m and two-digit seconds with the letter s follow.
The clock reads 1h13
